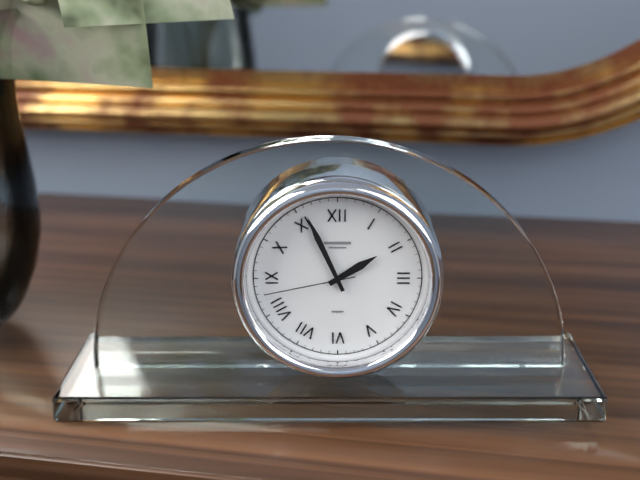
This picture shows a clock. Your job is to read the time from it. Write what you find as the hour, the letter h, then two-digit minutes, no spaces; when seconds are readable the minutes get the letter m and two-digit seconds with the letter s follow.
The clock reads 1h56m43s
